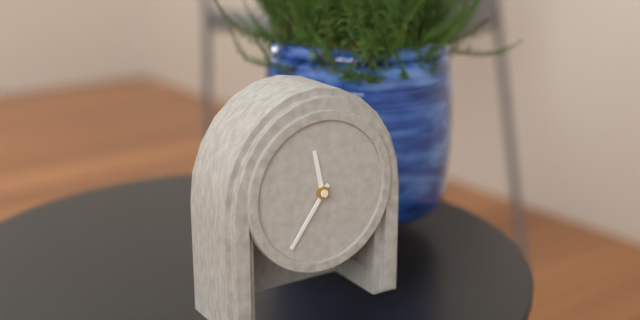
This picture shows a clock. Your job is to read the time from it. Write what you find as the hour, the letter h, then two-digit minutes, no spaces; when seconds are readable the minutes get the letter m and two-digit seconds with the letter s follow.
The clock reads 11h36
